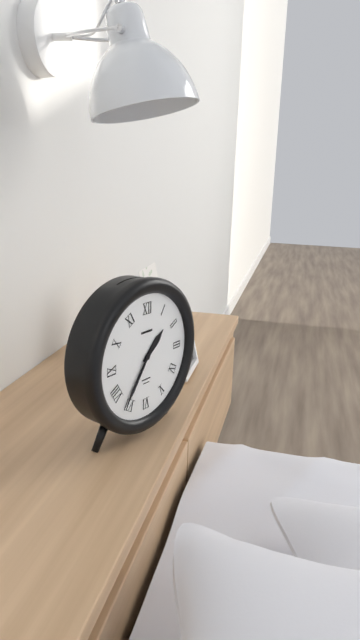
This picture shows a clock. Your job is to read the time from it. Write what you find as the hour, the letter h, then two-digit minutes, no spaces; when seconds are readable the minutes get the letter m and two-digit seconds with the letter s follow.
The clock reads 1h36
